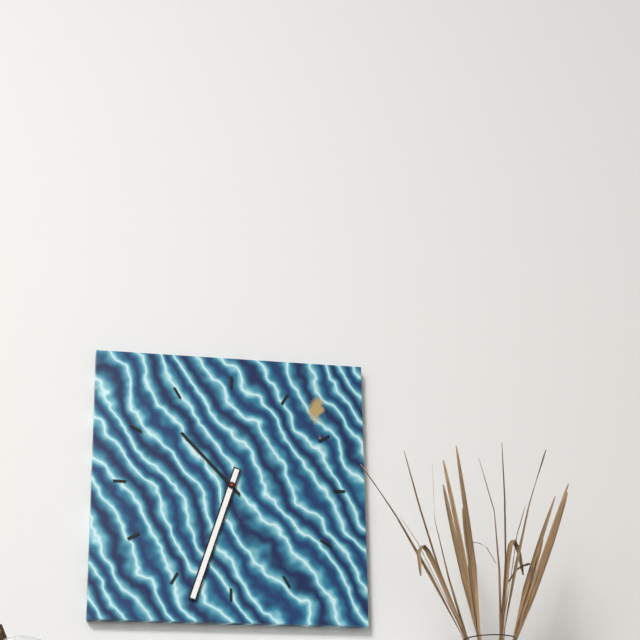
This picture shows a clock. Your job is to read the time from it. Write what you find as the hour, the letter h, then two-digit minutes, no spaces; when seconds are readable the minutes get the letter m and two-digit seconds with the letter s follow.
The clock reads 10h33
